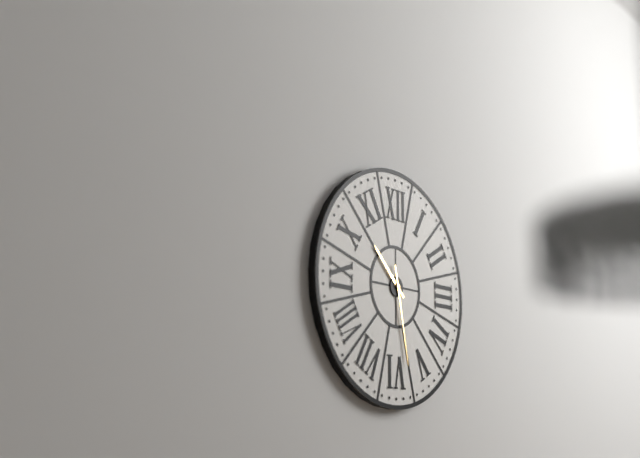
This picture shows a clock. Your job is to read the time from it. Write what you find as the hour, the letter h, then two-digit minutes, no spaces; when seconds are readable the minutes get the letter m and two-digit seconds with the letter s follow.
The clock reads 10h28
